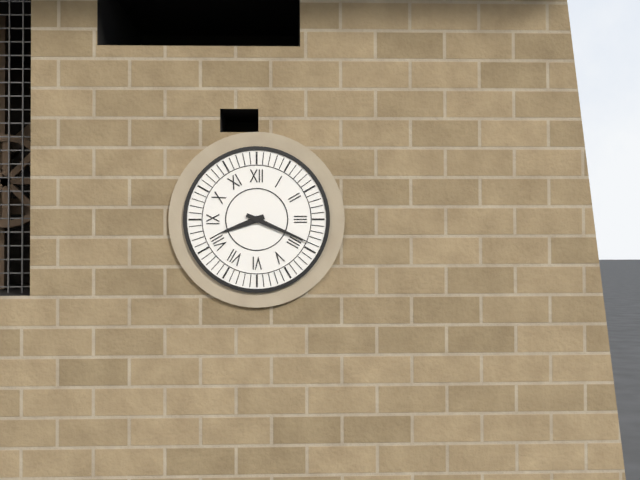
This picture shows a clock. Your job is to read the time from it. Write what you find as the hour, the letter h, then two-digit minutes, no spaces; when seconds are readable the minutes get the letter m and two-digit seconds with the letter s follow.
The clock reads 8h19
